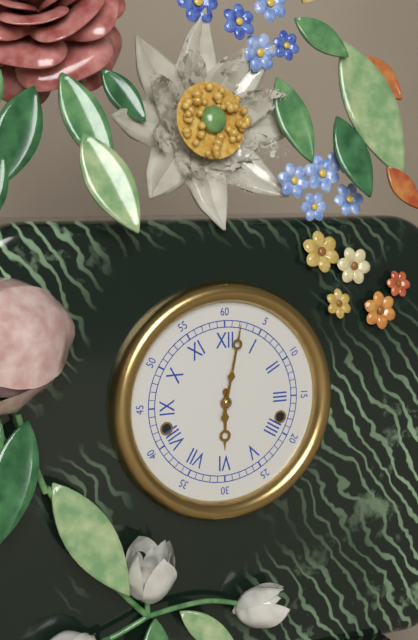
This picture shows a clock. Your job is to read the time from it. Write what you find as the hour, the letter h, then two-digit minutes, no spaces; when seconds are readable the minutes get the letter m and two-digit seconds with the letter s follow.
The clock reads 6h02
